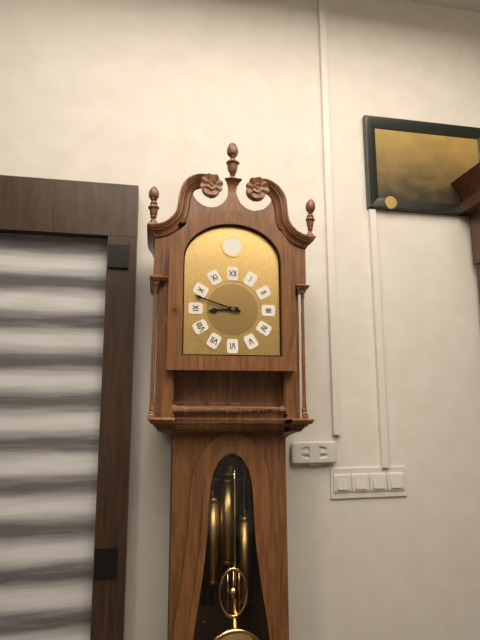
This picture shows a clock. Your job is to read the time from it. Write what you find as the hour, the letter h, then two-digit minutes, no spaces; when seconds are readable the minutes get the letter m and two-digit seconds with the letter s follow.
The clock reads 8h48
